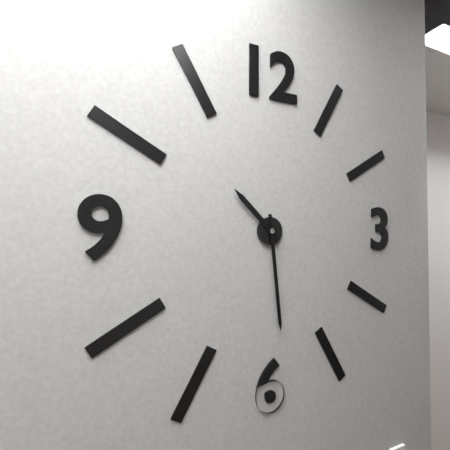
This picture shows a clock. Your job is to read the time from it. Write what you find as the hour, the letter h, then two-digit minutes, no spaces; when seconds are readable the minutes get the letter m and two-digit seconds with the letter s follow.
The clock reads 10h29
